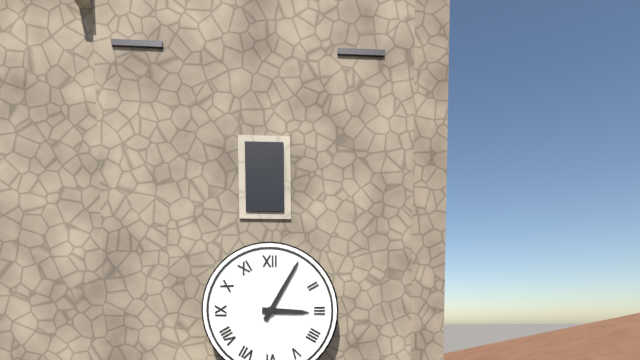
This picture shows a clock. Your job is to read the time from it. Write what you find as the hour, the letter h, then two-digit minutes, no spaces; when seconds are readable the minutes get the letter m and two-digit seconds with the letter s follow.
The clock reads 3h05
